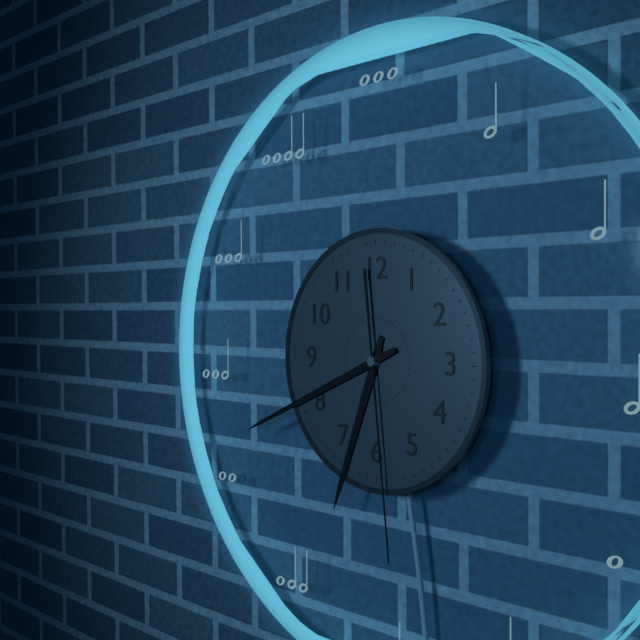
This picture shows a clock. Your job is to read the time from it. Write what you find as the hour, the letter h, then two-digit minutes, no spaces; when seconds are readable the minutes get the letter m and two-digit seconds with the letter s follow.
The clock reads 6h41m29s
